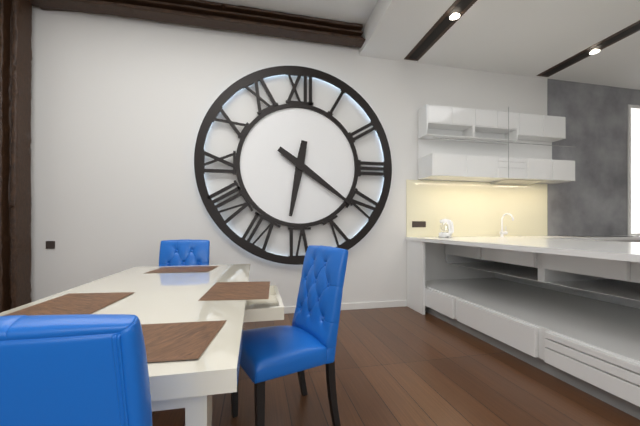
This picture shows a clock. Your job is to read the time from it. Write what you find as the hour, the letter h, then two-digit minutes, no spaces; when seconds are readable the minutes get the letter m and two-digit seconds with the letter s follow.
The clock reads 6h21
